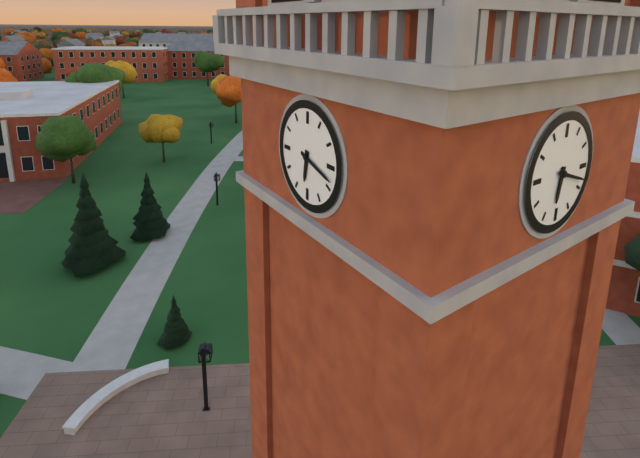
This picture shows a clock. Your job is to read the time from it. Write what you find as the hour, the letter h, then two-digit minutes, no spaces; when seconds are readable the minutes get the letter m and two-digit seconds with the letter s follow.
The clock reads 6h18
